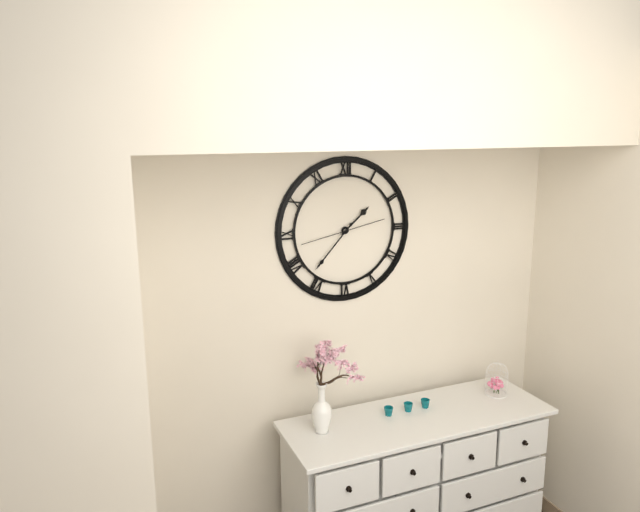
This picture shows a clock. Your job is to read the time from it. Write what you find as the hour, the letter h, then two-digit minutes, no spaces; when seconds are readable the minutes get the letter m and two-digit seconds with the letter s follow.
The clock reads 1h37m43s
